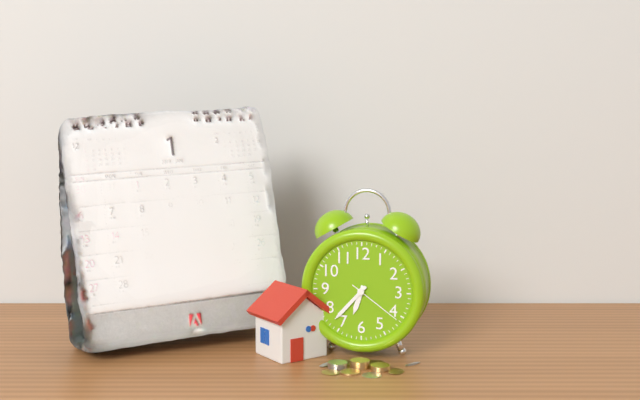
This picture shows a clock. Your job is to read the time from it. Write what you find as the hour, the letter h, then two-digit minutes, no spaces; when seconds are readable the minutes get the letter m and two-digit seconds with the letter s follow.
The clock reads 6h37m21s
